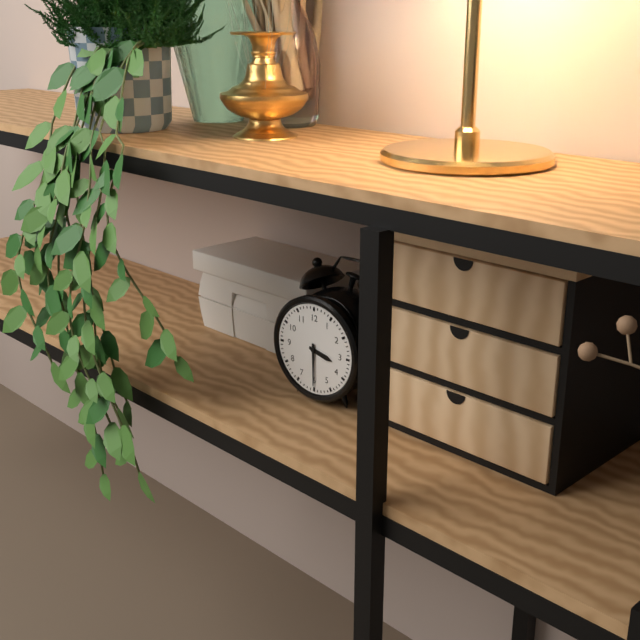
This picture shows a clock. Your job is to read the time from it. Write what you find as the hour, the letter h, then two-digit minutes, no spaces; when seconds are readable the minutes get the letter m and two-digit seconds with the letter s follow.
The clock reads 3h30
